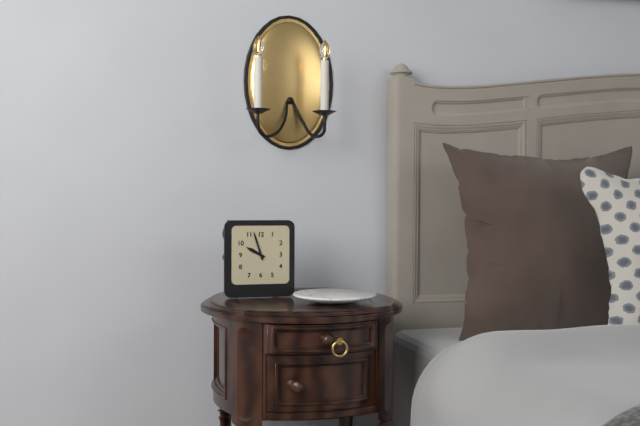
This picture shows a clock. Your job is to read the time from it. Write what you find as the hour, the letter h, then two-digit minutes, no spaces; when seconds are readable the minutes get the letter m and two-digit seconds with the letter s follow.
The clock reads 9h57
